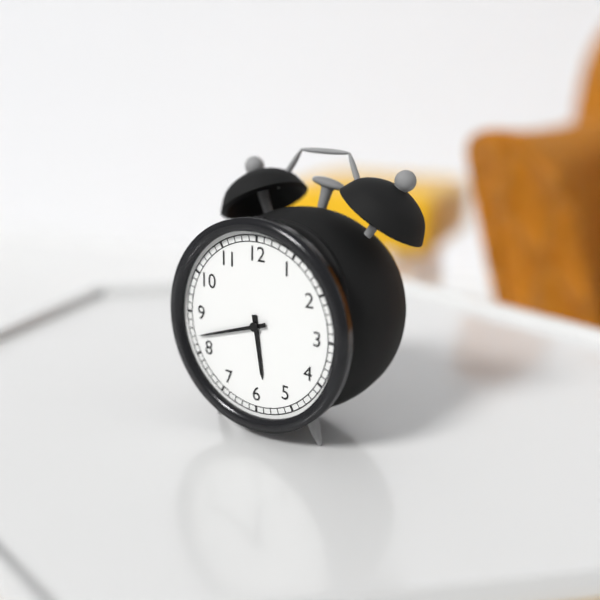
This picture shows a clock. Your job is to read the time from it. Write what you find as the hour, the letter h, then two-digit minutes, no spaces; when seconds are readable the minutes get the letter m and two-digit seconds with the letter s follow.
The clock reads 5h42
